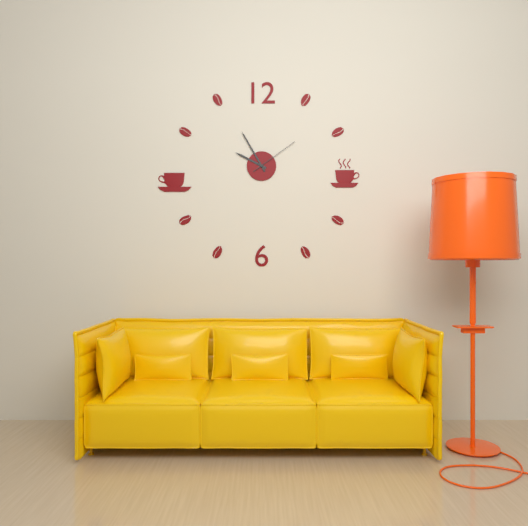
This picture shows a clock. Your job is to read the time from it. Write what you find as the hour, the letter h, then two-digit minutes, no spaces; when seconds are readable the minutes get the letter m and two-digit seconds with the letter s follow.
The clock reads 9h55m09s
